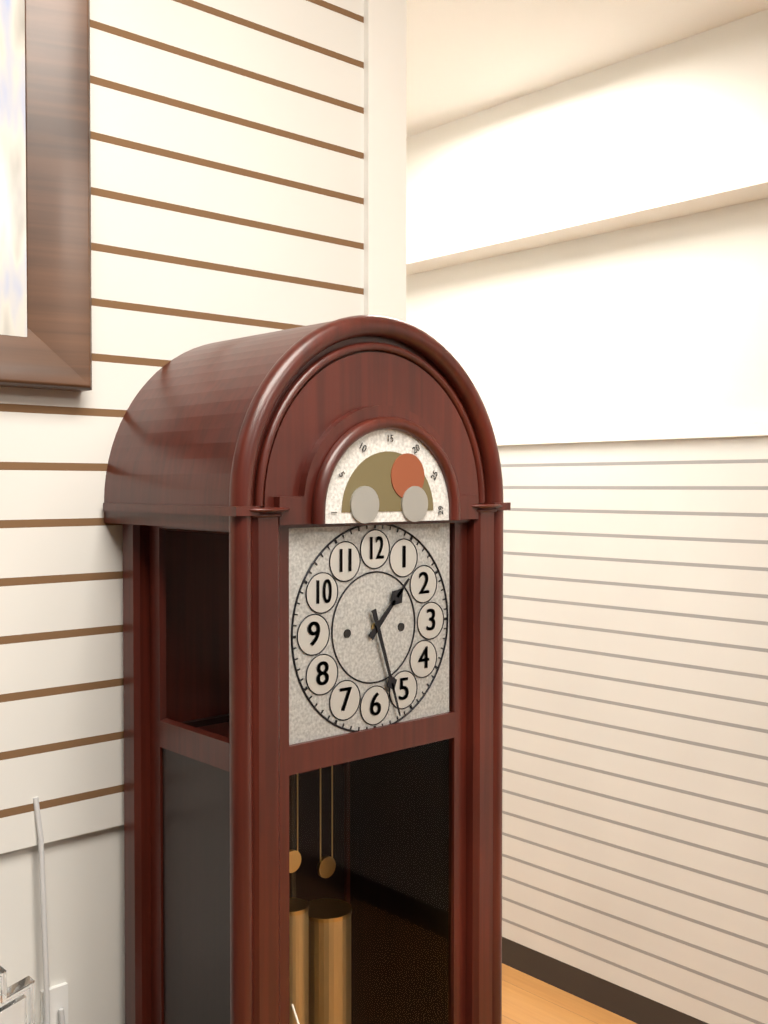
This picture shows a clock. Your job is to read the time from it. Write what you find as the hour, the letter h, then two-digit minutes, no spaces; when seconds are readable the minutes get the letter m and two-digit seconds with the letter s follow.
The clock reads 1h27
